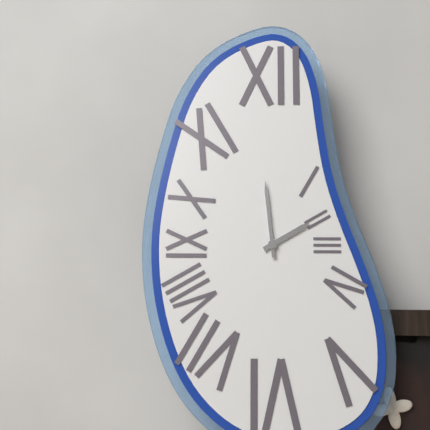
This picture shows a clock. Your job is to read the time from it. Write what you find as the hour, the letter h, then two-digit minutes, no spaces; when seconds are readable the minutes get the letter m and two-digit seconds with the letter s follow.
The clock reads 1h59
